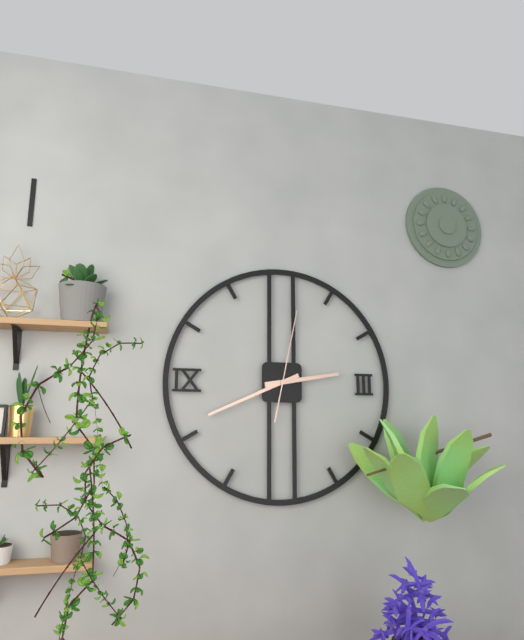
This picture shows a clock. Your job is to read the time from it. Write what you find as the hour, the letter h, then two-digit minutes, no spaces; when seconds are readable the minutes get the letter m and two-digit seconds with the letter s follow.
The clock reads 2h41m02s
